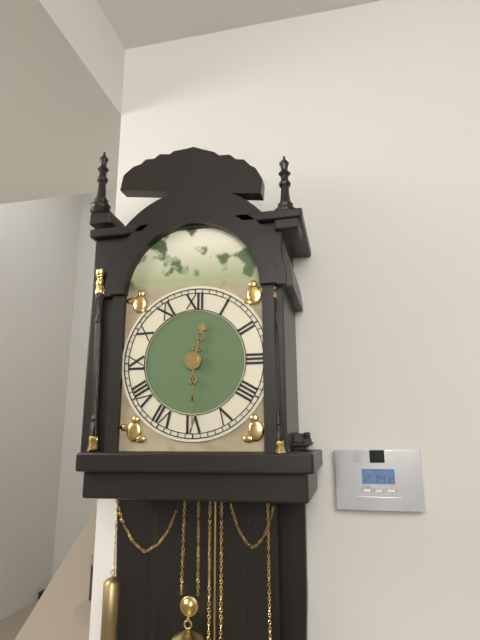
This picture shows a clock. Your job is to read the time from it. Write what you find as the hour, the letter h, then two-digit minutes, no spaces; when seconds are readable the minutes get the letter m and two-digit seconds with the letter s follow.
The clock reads 12h30
